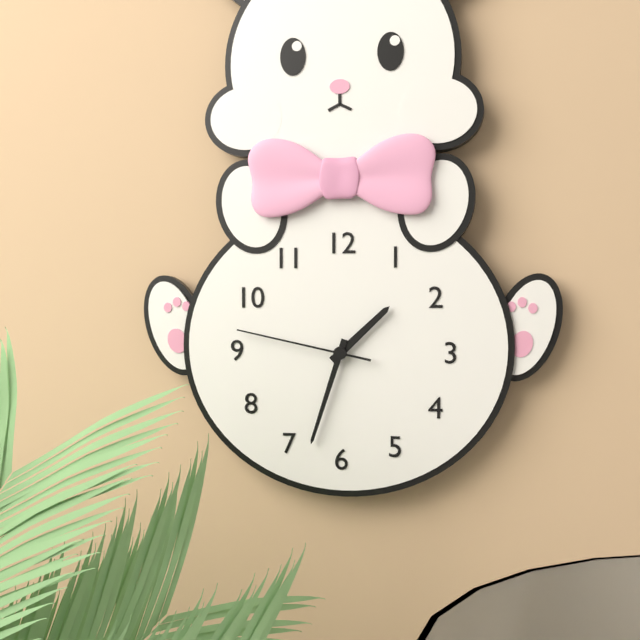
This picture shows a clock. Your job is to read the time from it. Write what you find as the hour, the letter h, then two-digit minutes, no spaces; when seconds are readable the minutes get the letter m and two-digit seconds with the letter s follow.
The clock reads 1h33m47s
